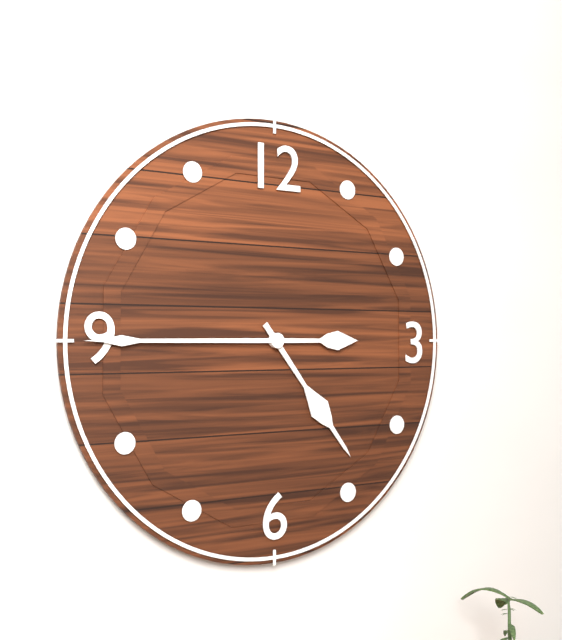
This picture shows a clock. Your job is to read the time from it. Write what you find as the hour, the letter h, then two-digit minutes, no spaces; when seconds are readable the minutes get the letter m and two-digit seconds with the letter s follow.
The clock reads 4h45
